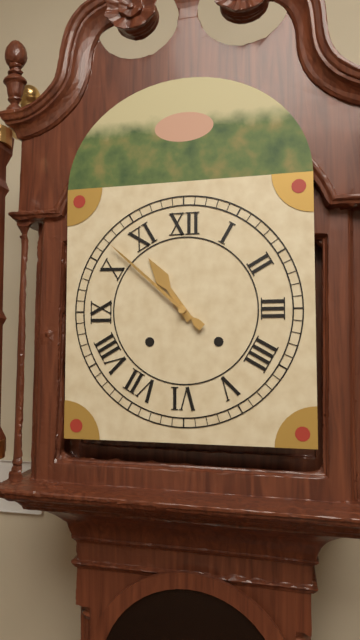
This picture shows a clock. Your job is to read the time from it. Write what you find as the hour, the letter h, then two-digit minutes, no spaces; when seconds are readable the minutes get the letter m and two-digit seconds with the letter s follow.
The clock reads 10h52
